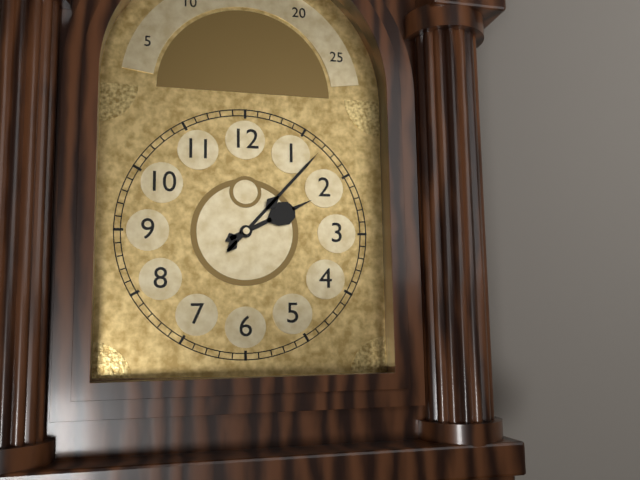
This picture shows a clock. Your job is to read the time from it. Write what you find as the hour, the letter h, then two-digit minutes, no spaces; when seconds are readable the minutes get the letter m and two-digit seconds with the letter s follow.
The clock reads 2h07
